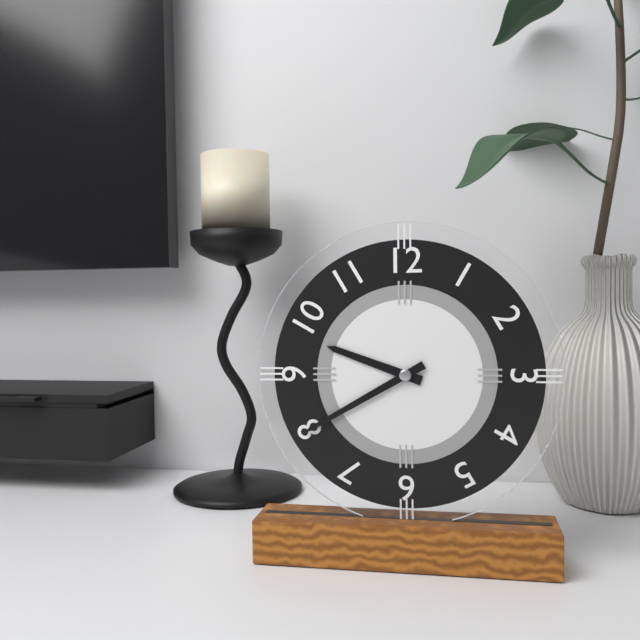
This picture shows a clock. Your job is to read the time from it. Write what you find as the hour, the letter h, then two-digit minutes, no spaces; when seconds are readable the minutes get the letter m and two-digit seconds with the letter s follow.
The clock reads 9h40
